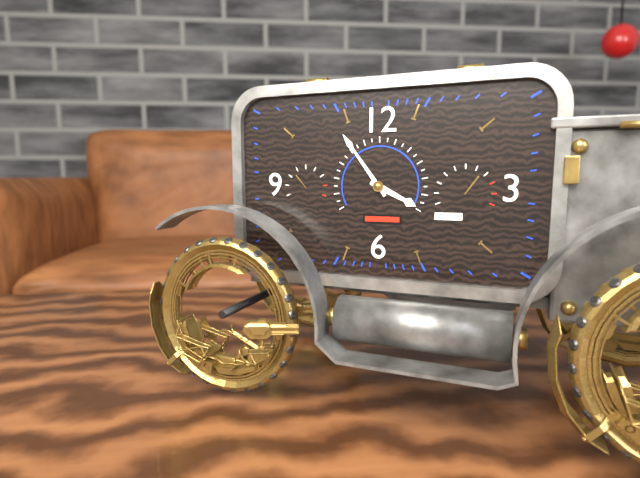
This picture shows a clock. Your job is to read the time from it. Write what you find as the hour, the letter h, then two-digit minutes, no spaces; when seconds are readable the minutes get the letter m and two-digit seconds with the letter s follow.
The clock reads 3h54
